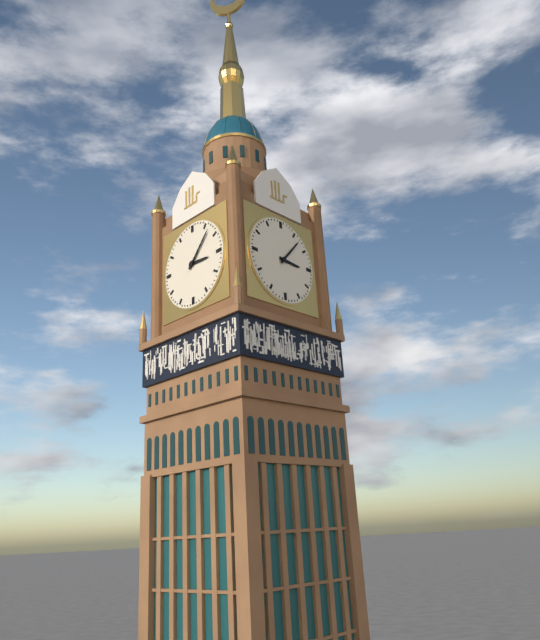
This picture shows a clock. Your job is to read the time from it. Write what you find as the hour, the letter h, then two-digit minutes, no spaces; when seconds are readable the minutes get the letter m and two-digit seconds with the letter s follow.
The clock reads 3h07
